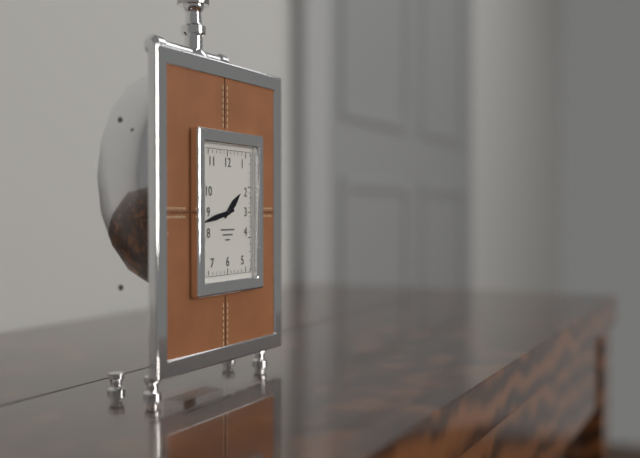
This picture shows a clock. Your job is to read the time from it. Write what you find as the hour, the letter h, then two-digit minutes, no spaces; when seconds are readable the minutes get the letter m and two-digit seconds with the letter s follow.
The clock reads 1h43
